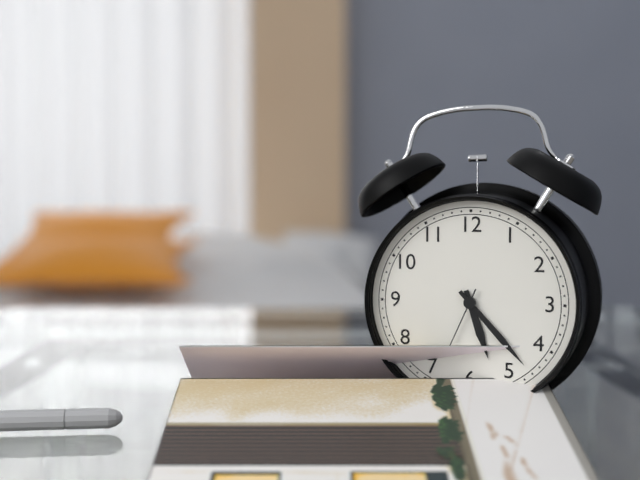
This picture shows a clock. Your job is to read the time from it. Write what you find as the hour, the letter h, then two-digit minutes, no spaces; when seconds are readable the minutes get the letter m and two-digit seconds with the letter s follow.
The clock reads 5h23m34s
